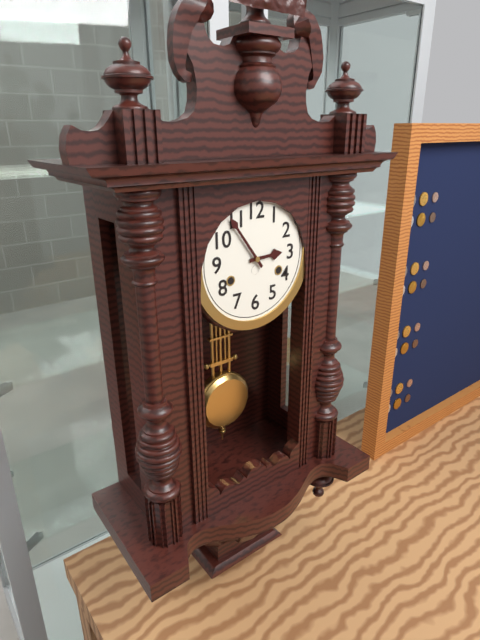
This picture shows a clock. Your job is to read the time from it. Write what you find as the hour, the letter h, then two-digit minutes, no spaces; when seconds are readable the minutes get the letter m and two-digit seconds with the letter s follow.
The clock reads 2h54
